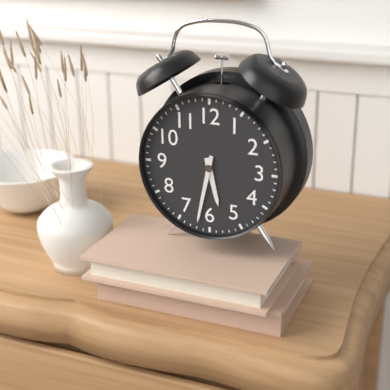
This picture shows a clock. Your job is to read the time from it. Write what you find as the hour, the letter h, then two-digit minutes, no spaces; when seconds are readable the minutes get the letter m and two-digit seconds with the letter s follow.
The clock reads 5h32
